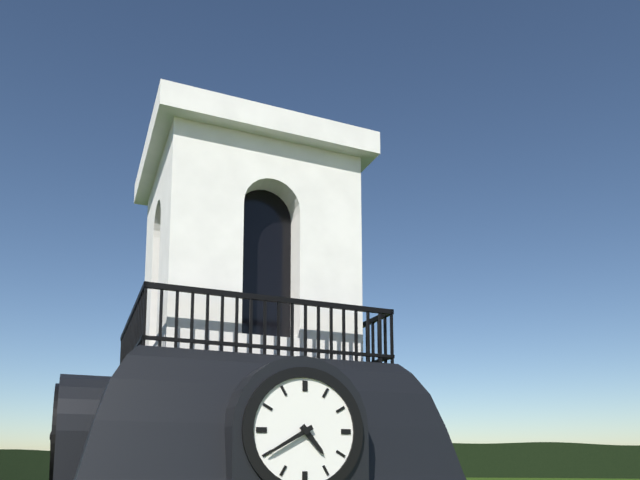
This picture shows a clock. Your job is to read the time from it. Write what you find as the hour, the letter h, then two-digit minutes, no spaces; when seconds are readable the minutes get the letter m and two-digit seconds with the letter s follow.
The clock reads 4h40
